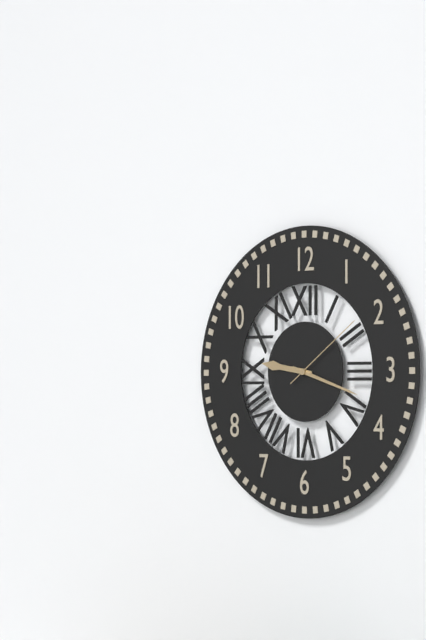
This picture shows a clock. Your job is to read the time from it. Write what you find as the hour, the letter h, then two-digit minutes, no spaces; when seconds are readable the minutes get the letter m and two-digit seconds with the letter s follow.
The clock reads 9h18m09s
